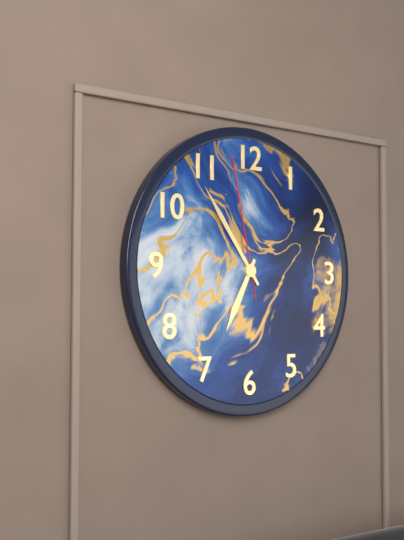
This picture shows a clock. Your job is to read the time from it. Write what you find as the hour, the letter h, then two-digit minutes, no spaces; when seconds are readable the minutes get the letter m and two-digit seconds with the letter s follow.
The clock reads 6h54m58s
